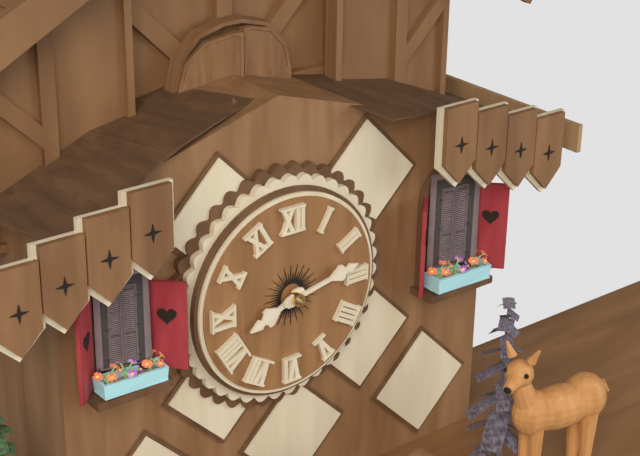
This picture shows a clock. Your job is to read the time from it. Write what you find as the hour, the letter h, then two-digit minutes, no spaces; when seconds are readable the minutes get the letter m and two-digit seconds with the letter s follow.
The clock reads 8h13
